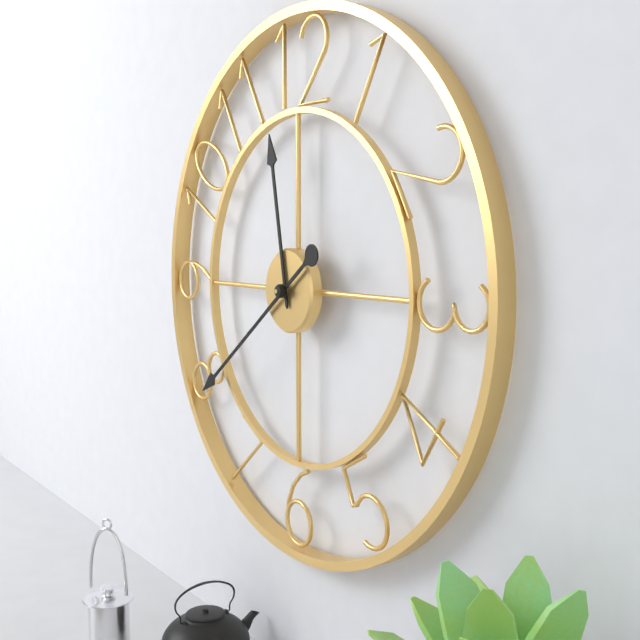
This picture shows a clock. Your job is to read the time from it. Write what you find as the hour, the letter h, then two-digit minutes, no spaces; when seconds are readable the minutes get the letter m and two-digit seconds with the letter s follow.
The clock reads 11h39
